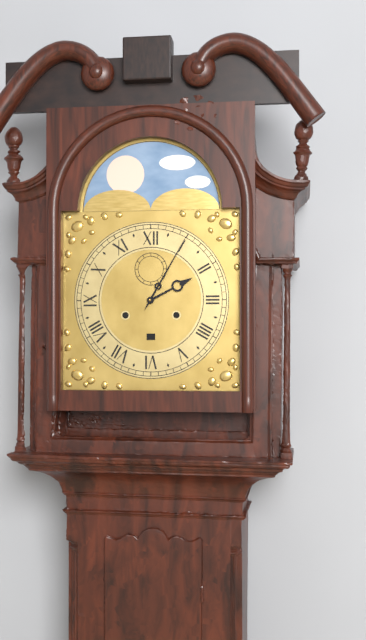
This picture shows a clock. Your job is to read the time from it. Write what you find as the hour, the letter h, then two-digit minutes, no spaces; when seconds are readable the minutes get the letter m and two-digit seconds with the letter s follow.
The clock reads 2h05
